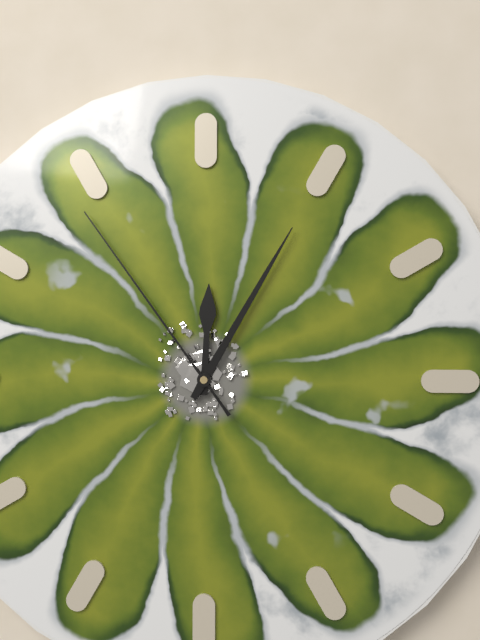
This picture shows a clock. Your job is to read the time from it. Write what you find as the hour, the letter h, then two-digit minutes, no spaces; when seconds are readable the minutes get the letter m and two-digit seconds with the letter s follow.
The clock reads 12h05m54s
